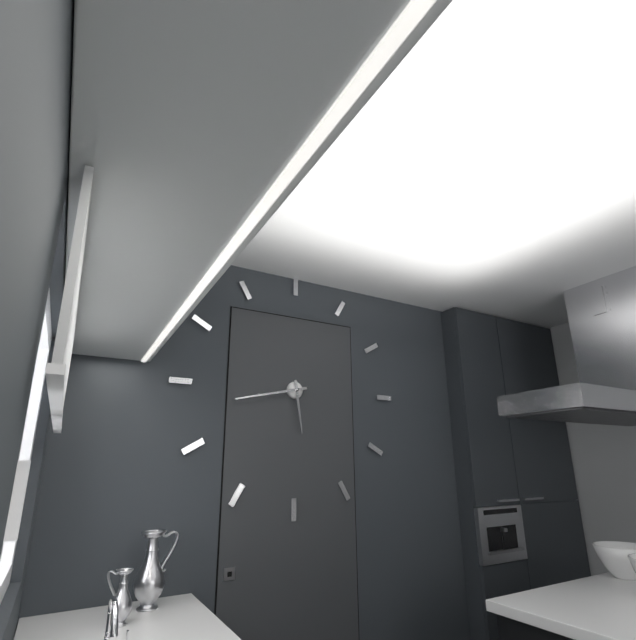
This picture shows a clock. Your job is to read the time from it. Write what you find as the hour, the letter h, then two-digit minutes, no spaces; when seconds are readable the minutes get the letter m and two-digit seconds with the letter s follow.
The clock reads 5h43
